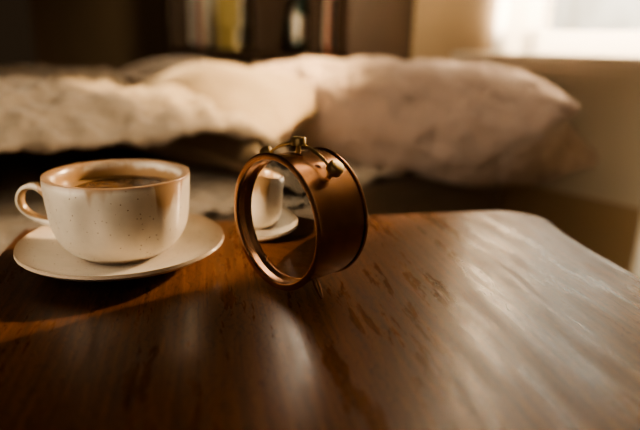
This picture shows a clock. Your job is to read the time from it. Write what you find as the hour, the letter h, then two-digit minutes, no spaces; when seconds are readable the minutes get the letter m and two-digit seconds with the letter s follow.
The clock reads 4h54m34s
